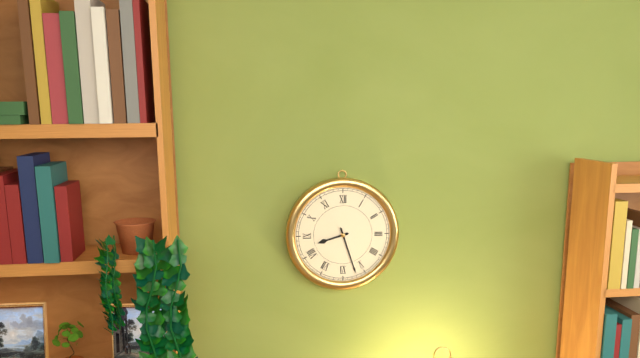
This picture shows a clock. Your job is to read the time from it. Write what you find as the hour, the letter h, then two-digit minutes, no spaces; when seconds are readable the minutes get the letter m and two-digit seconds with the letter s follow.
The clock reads 8h27
